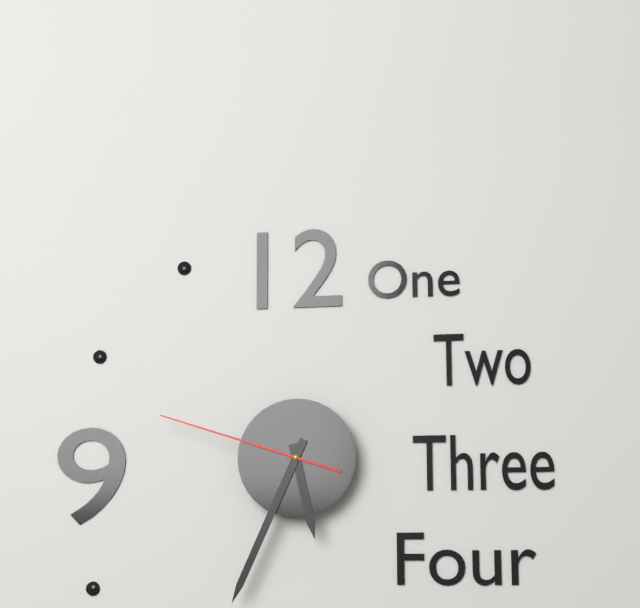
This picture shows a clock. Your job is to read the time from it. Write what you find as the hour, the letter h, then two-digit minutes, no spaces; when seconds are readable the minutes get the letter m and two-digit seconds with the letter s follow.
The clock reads 5h34m48s
